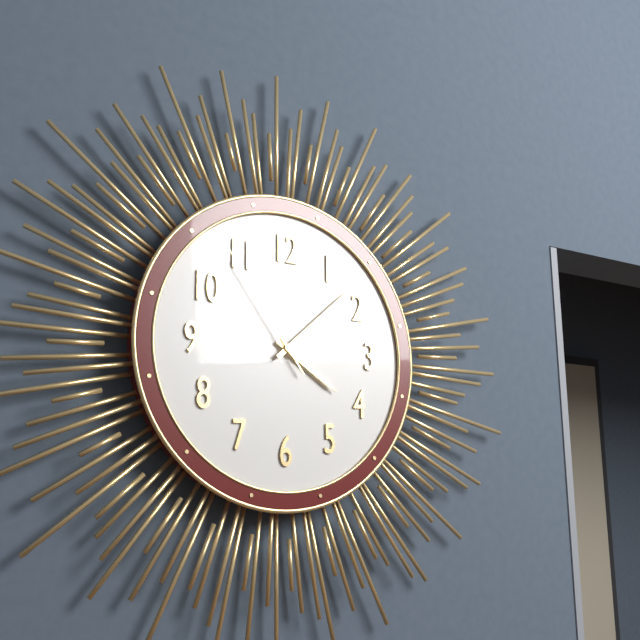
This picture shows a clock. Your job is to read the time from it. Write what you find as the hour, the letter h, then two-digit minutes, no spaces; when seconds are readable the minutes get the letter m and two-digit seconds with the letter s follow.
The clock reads 4h08m54s
